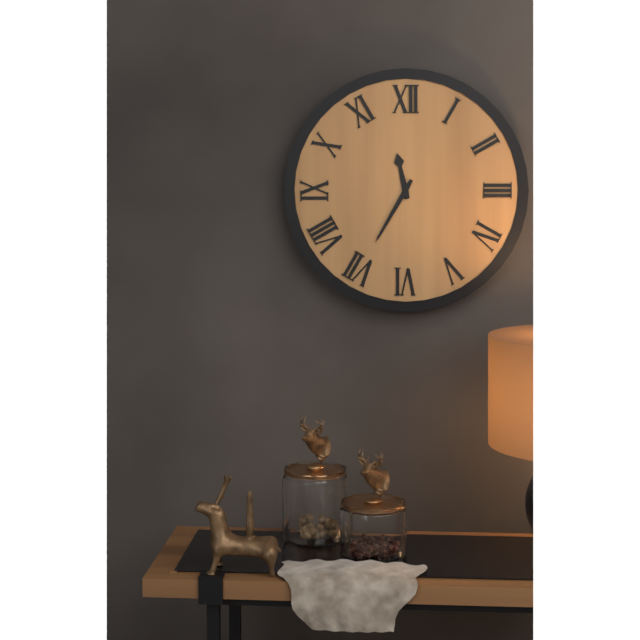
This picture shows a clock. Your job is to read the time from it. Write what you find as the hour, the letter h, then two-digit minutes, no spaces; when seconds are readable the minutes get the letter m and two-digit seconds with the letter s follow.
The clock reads 11h35
